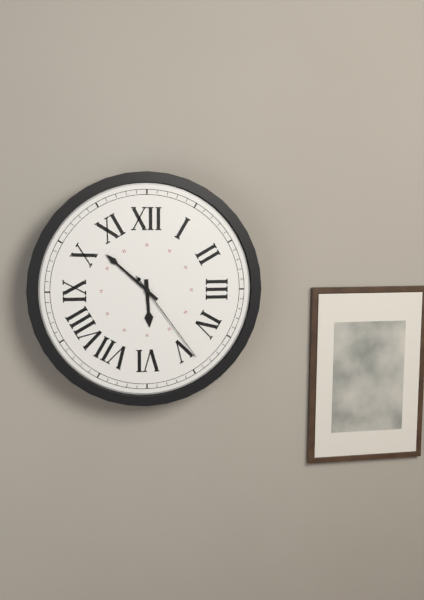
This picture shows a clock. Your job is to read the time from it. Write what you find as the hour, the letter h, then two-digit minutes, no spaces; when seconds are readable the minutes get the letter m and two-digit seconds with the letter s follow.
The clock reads 5h52m24s
